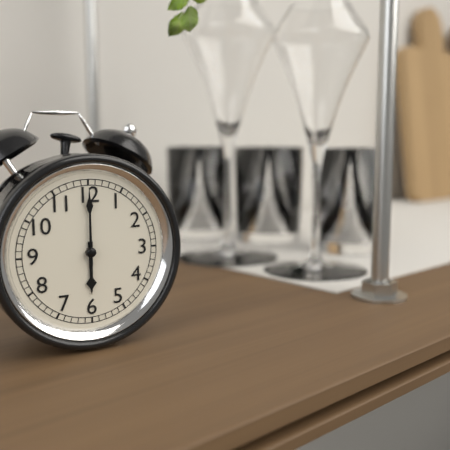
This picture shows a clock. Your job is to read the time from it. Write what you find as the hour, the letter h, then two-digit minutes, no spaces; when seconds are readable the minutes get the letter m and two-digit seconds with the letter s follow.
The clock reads 6h00
